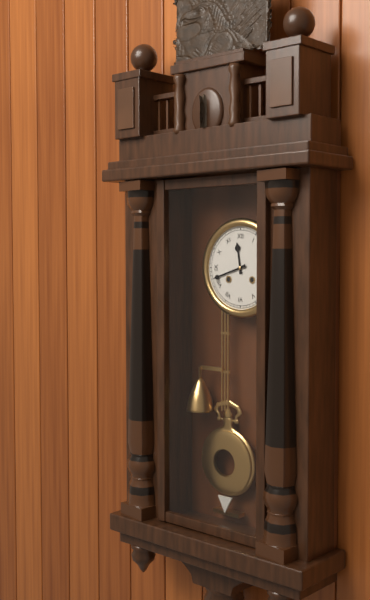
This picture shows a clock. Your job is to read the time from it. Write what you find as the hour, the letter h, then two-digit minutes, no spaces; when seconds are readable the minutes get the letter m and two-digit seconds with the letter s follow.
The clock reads 11h42
